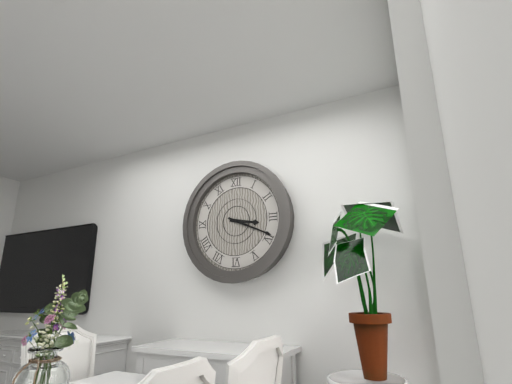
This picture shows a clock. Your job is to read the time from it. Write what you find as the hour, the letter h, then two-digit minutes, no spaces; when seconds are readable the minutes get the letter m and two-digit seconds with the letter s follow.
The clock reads 3h19
